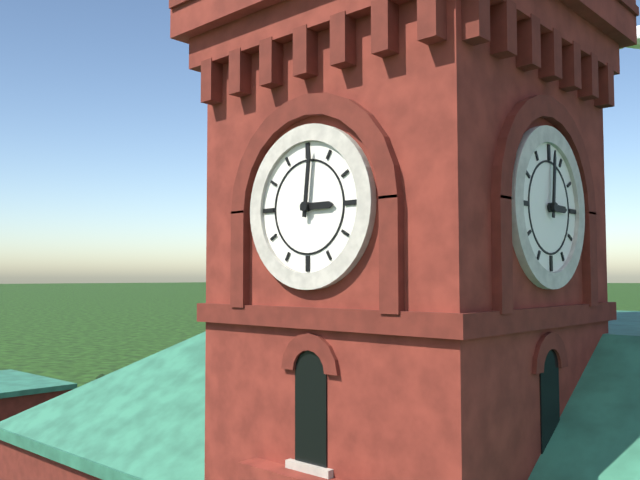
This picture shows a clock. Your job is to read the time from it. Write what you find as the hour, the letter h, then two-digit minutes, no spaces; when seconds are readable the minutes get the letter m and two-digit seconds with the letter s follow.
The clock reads 3h01
